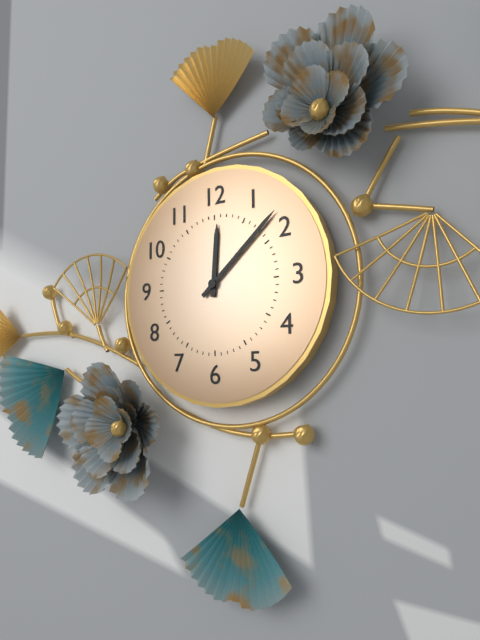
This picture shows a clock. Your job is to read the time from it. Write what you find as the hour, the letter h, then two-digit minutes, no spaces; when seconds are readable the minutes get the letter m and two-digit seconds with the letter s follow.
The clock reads 12h08
